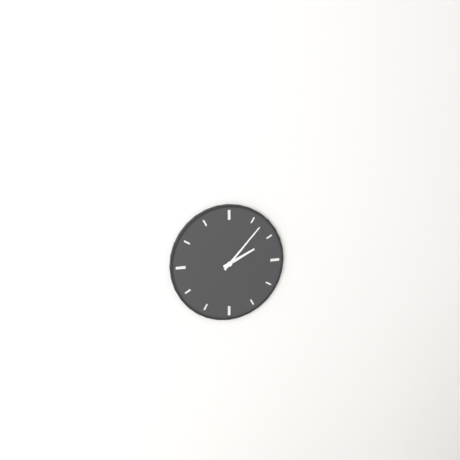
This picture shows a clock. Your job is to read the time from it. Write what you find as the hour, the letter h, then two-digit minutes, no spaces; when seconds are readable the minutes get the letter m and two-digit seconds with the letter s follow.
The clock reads 2h07
